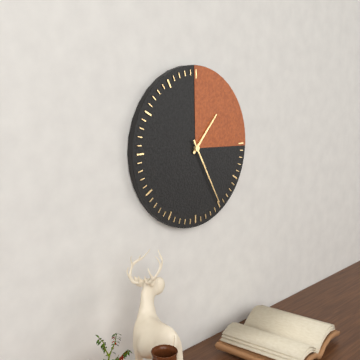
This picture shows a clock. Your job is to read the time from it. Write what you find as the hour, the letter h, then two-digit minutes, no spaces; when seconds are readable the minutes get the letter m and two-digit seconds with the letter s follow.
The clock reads 1h25
